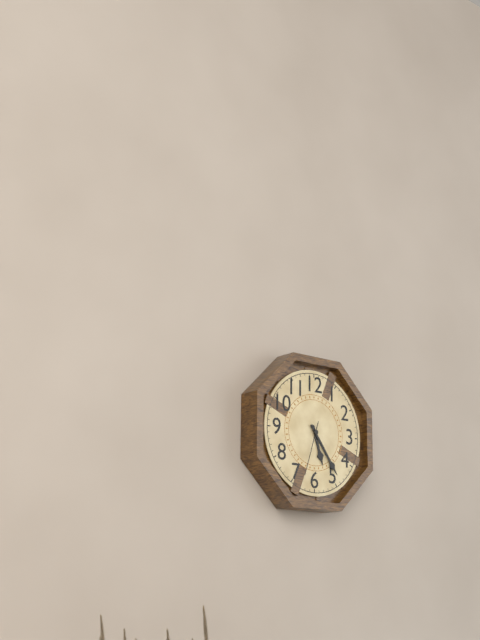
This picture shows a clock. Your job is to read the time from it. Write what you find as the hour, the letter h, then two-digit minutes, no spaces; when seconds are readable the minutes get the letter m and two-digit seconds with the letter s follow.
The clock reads 5h24m33s
